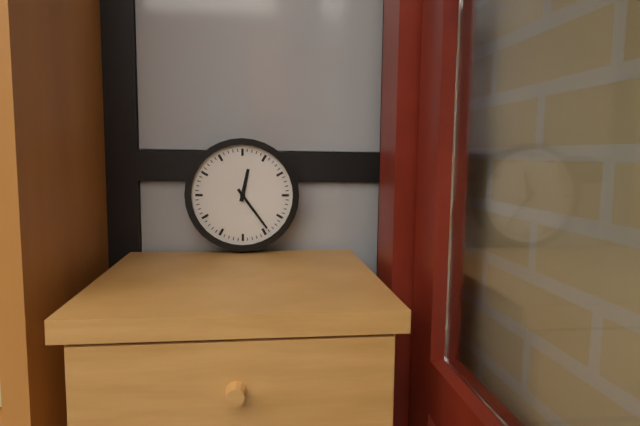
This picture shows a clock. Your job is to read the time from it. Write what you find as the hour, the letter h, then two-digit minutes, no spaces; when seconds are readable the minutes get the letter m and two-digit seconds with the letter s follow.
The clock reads 12h24
